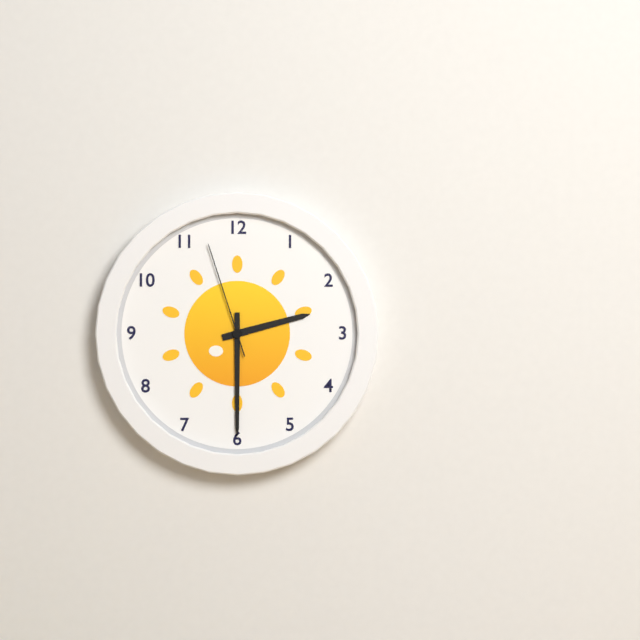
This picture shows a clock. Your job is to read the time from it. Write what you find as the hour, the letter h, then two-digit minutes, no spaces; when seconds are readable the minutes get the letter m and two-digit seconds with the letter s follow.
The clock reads 2h30m57s
